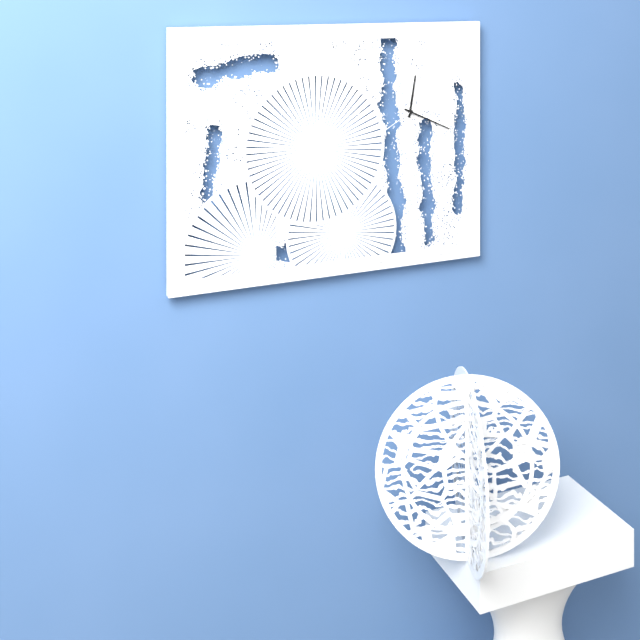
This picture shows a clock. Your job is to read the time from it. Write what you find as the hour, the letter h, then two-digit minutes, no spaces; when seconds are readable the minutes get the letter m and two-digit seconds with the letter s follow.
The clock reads 12h19
